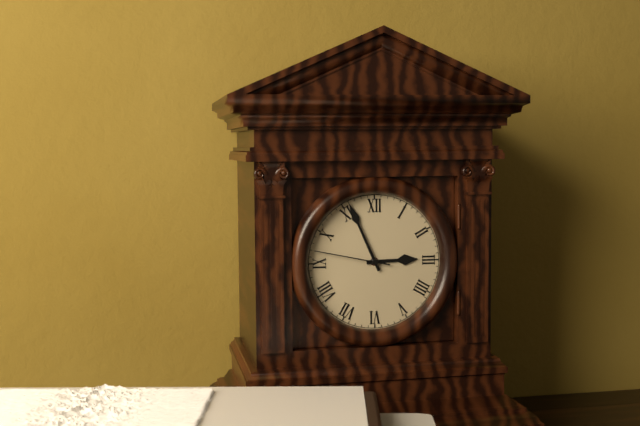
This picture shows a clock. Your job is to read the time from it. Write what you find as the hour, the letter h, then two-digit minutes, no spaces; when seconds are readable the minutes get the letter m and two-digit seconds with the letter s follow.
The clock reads 2h56m47s
